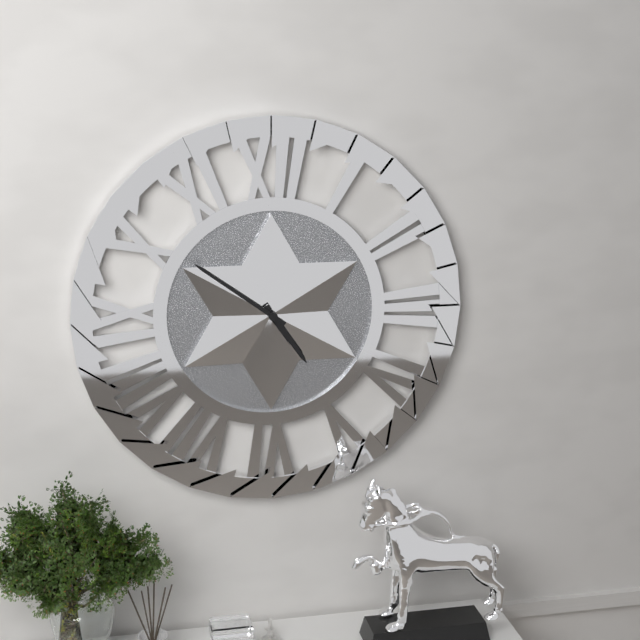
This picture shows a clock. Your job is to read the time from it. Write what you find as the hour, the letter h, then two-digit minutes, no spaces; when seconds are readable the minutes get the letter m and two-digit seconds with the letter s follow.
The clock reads 4h51
